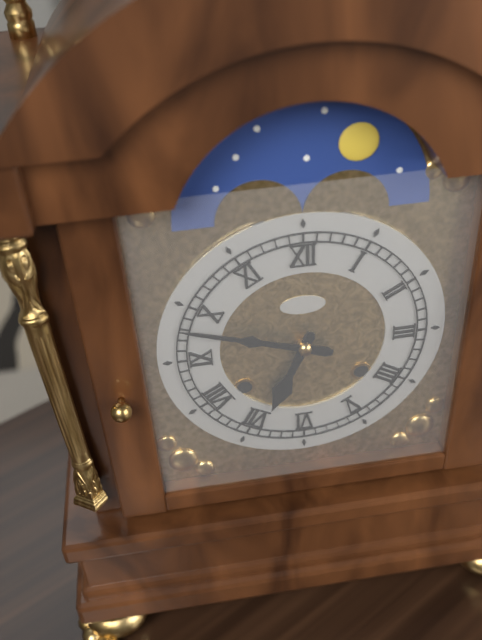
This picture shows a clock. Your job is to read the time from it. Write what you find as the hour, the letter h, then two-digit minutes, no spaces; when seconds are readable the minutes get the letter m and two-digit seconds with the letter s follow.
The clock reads 6h48
